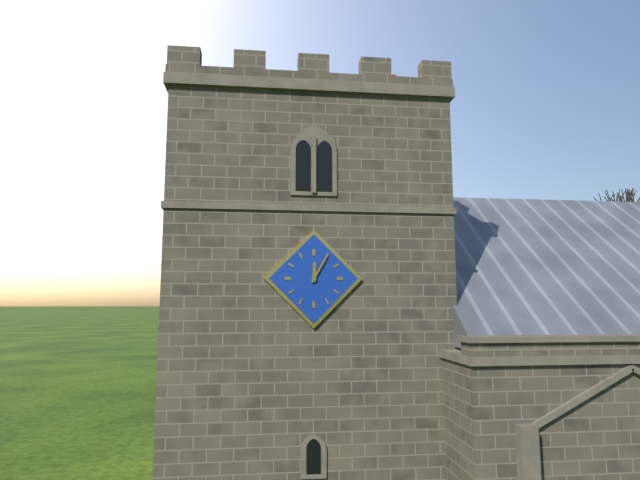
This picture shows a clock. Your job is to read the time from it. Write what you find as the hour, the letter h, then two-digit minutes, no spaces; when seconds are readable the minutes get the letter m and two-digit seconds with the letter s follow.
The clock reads 12h05
